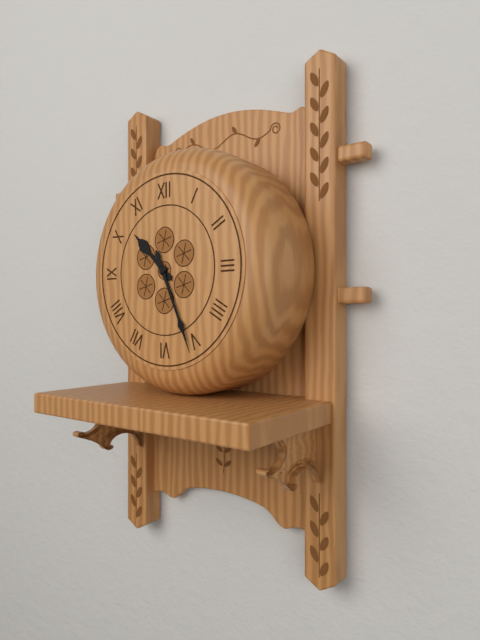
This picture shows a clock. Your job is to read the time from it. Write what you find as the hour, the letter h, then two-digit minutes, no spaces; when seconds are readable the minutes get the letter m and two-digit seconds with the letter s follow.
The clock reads 10h26
